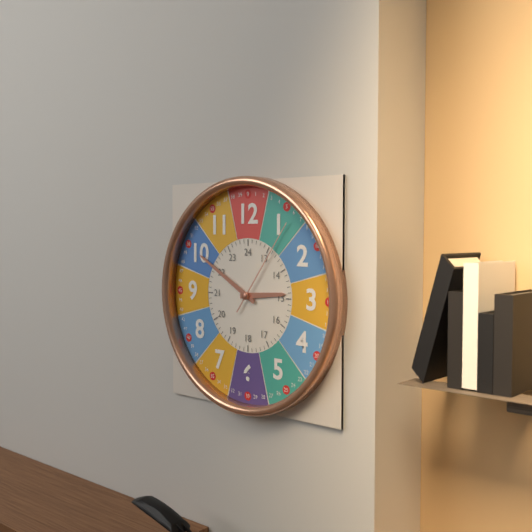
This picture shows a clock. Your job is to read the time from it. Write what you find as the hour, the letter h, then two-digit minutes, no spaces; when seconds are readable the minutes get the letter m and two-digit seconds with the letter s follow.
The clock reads 2h50m06s
